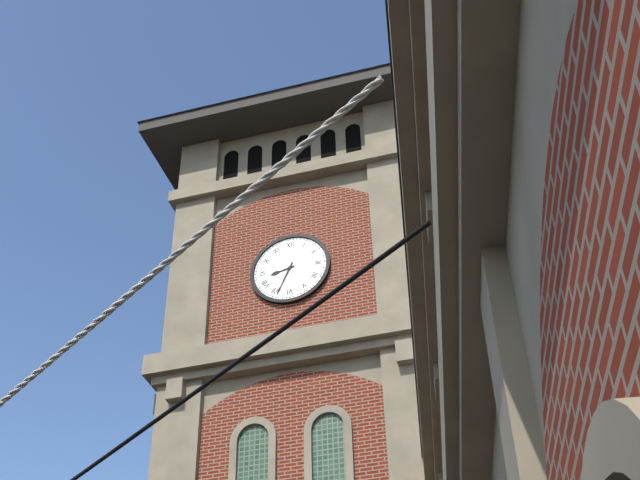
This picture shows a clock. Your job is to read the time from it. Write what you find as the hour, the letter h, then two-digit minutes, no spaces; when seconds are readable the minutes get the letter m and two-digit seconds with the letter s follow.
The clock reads 8h34
